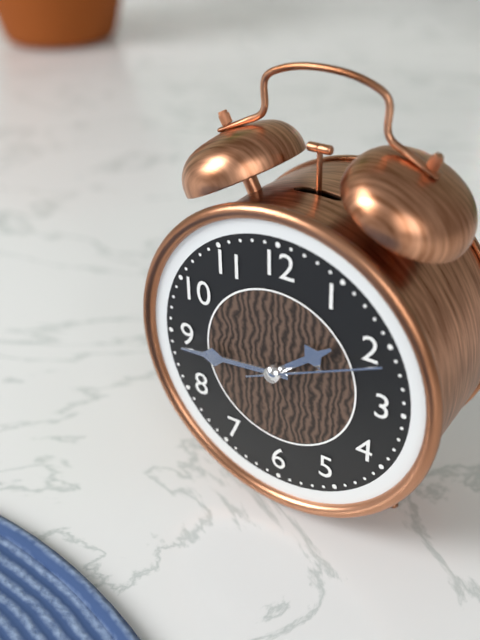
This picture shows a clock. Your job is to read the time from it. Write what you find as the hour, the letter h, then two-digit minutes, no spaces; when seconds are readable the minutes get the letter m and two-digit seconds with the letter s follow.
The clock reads 1h44m11s
